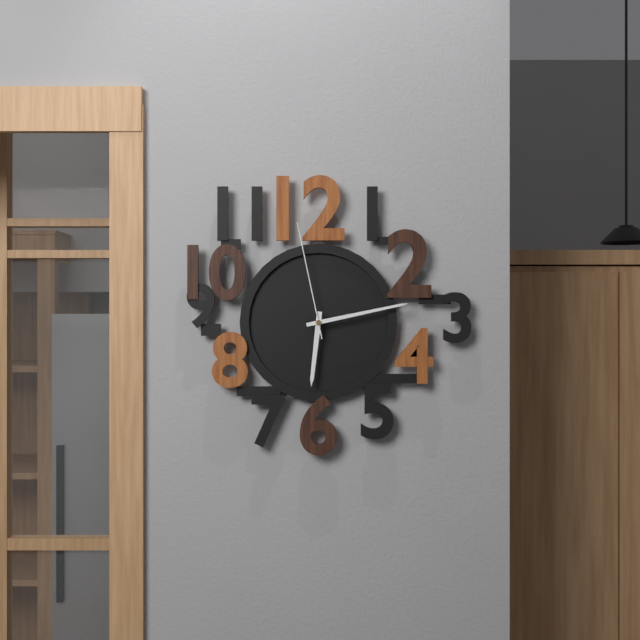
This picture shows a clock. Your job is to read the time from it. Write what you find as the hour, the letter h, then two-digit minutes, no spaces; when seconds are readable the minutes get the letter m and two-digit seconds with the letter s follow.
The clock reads 6h13m58s
